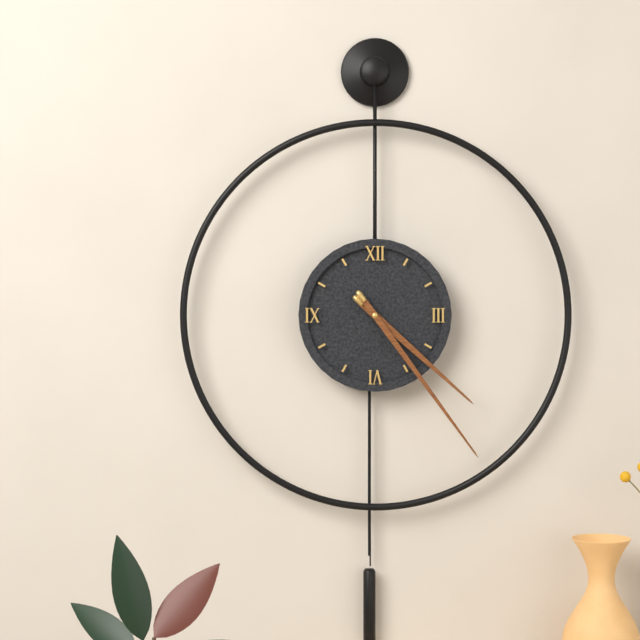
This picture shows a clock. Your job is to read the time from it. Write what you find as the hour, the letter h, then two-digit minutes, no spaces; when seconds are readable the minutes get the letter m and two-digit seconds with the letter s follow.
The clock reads 4h24
